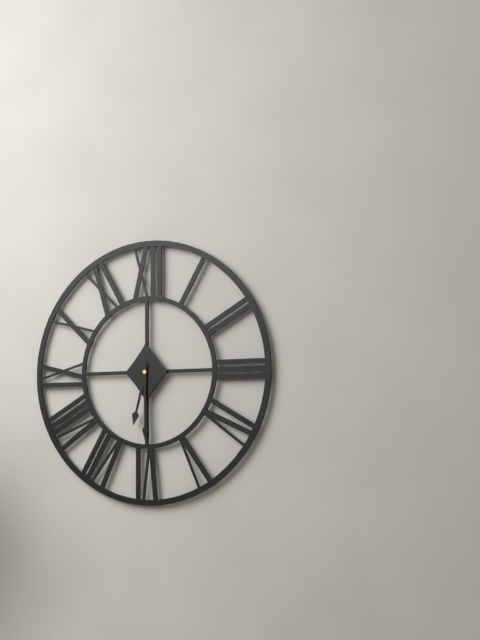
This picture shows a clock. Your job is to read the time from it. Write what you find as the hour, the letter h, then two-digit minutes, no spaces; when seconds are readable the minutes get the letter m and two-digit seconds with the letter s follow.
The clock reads 6h30
